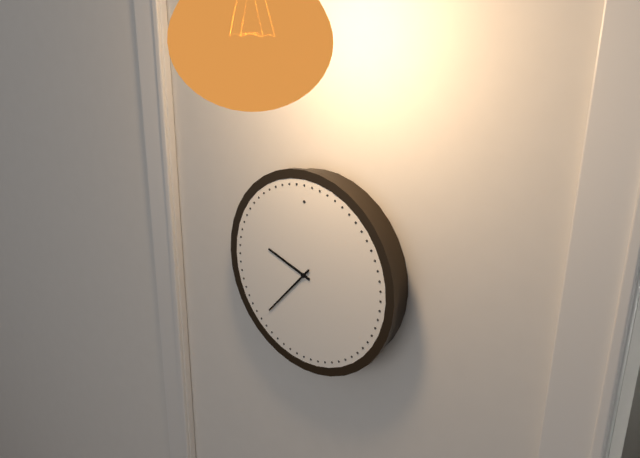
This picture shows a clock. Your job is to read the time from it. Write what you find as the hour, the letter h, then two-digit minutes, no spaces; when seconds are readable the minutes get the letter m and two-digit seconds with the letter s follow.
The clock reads 9h37
